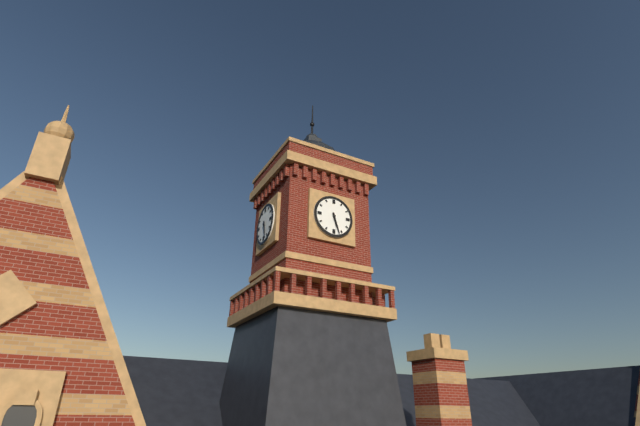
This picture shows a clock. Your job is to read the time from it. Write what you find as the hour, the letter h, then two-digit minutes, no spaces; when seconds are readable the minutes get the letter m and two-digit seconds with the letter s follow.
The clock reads 5h27
